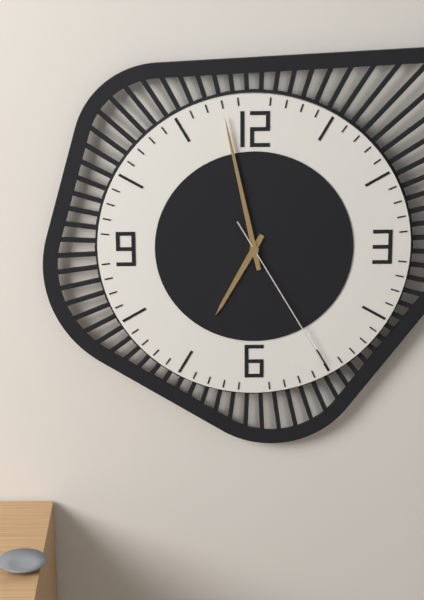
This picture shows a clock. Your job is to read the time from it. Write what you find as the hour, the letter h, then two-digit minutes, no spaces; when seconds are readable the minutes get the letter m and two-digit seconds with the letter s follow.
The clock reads 6h58m25s
